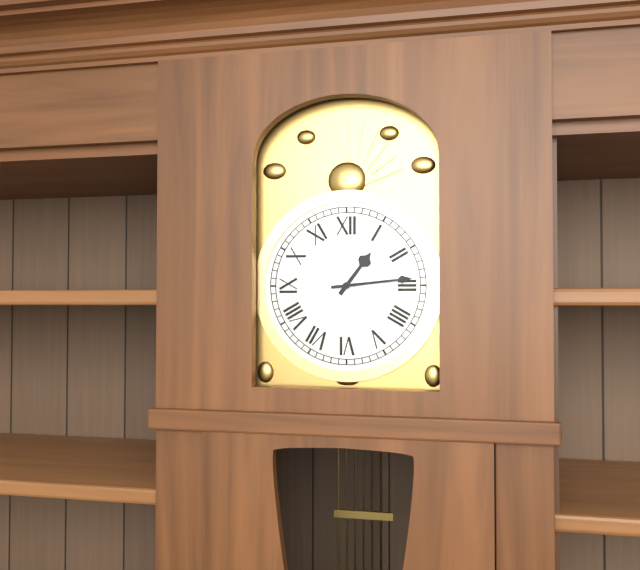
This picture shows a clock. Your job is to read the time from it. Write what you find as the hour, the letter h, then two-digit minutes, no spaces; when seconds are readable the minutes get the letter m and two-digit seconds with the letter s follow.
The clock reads 1h14
